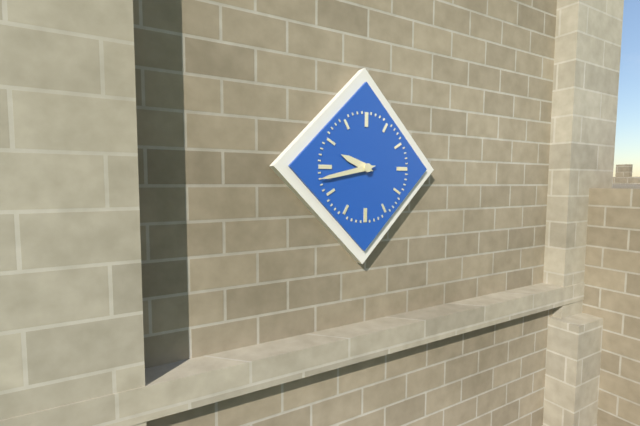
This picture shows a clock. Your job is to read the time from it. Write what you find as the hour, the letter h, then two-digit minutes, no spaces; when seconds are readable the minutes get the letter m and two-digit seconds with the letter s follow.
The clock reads 9h43
